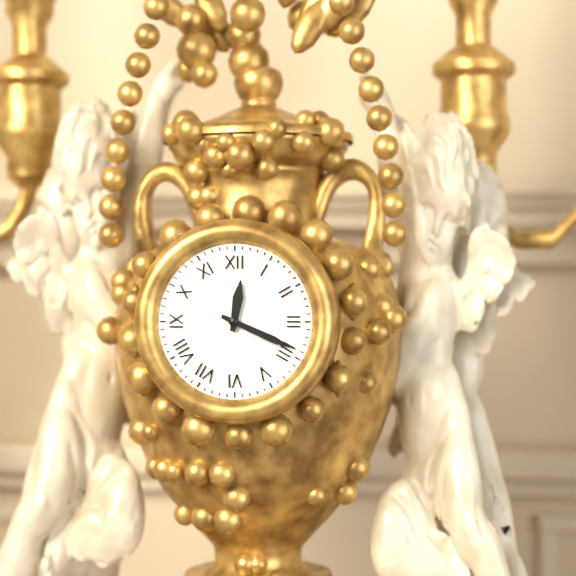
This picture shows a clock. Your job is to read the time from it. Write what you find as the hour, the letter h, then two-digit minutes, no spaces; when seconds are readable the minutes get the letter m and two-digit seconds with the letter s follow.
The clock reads 12h19
